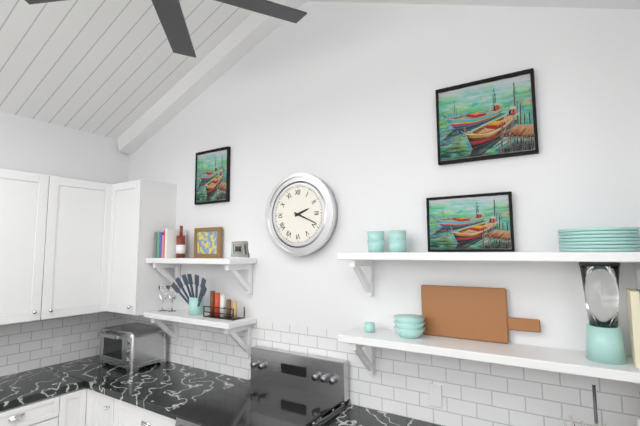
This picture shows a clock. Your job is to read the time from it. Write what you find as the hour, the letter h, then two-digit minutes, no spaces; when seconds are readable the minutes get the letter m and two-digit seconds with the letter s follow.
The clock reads 2h19
